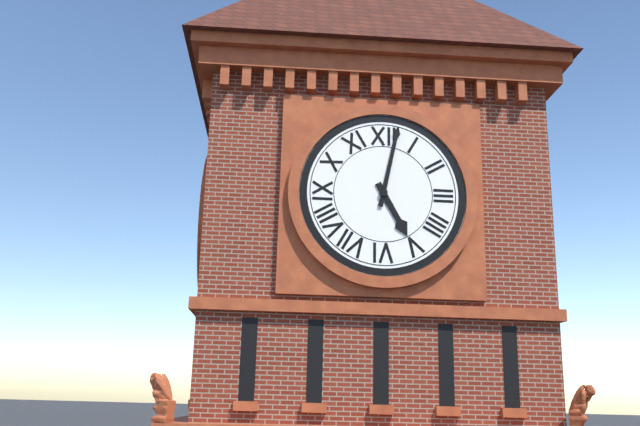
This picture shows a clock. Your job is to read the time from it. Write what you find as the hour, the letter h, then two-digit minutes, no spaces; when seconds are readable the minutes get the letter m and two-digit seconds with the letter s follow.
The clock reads 5h02
